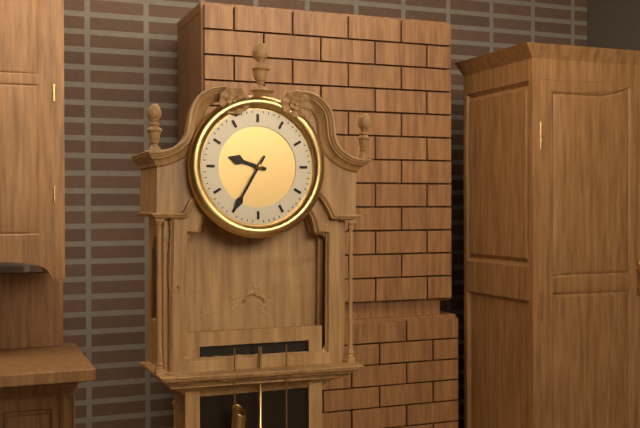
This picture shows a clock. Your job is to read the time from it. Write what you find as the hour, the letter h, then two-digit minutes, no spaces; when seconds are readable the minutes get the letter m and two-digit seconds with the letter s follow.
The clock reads 9h35
